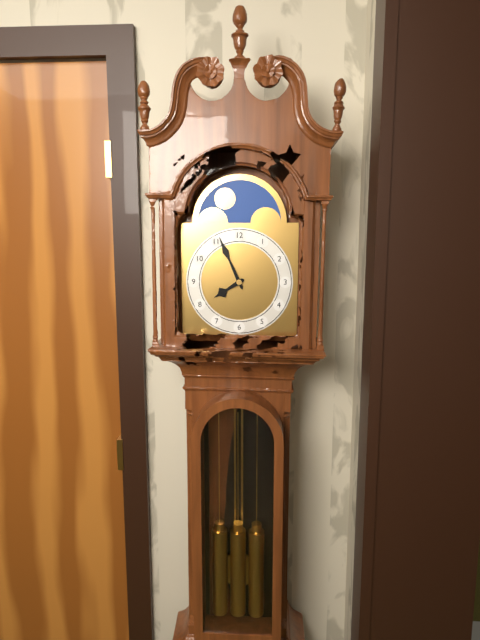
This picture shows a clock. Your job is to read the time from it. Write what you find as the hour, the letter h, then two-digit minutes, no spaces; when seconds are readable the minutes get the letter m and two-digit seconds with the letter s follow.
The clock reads 7h56
